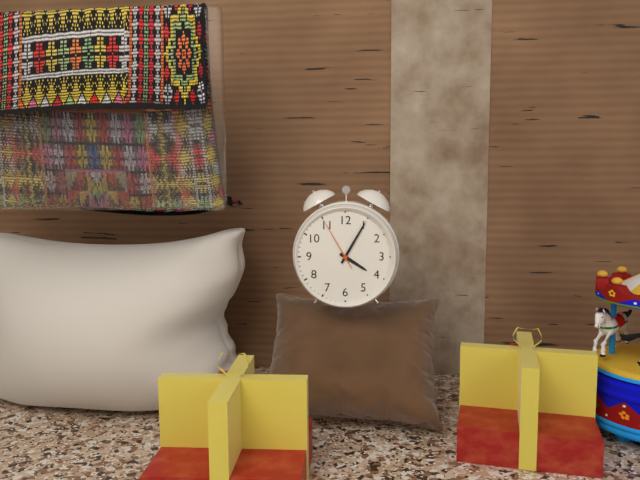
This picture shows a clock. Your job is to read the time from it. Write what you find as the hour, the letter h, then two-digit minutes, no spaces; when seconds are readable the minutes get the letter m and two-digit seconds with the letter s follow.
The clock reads 4h05m55s
